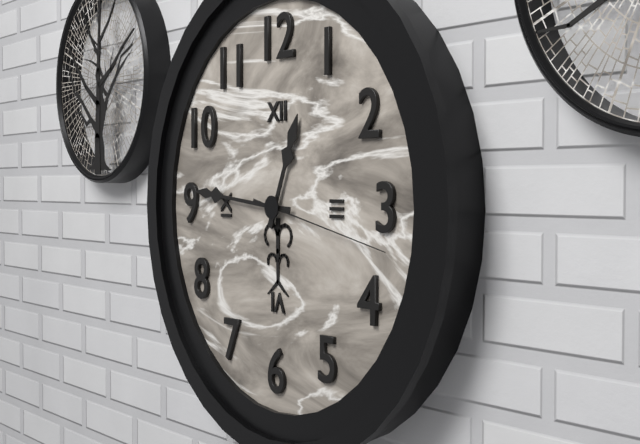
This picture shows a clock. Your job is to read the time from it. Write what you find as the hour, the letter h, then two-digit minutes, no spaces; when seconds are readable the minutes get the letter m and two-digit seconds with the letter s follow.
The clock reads 12h46m17s
